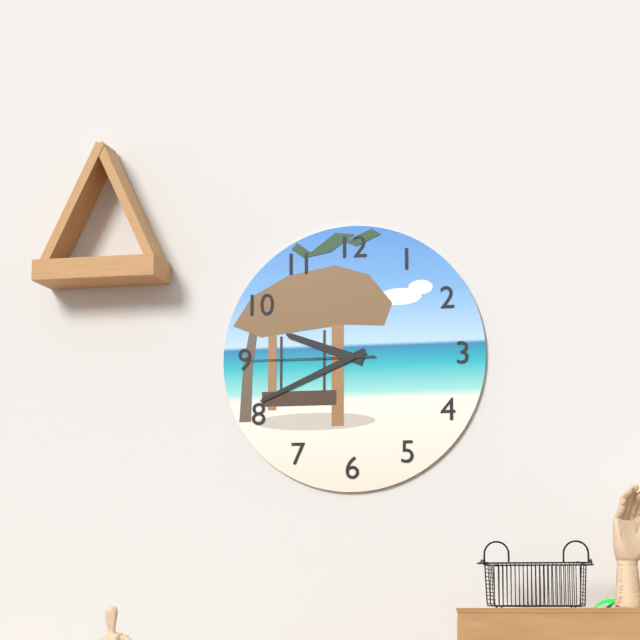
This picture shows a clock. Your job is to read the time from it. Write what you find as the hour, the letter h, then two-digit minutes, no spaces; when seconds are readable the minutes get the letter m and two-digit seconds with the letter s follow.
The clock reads 9h41m45s
